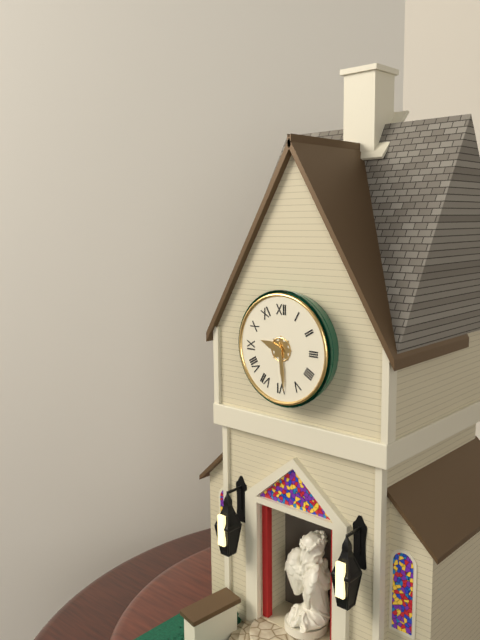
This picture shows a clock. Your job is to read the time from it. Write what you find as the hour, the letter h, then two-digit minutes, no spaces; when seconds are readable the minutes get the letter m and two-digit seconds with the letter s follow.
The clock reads 9h29
